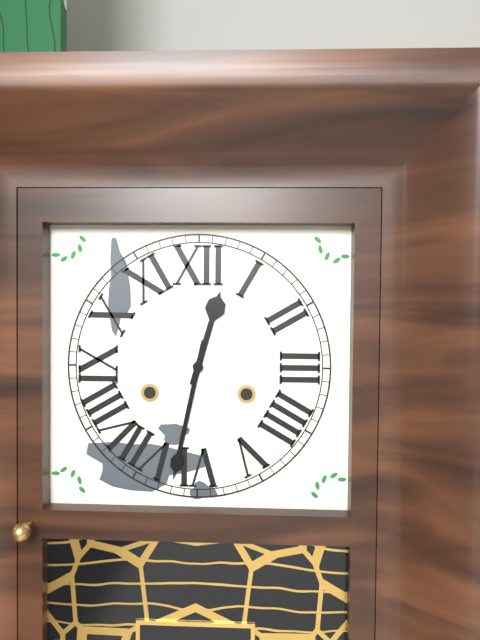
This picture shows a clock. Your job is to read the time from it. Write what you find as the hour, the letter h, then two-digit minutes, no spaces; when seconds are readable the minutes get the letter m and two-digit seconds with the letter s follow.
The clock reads 12h32
